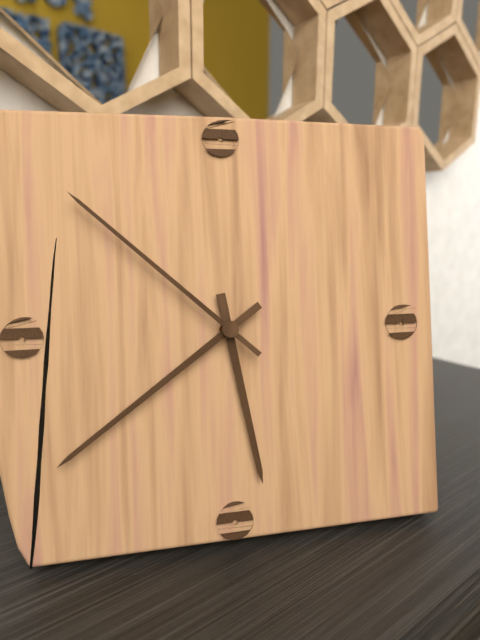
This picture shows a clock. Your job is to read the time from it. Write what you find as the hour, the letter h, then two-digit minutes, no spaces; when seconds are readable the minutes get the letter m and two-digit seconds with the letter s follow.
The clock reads 5h39m52s
